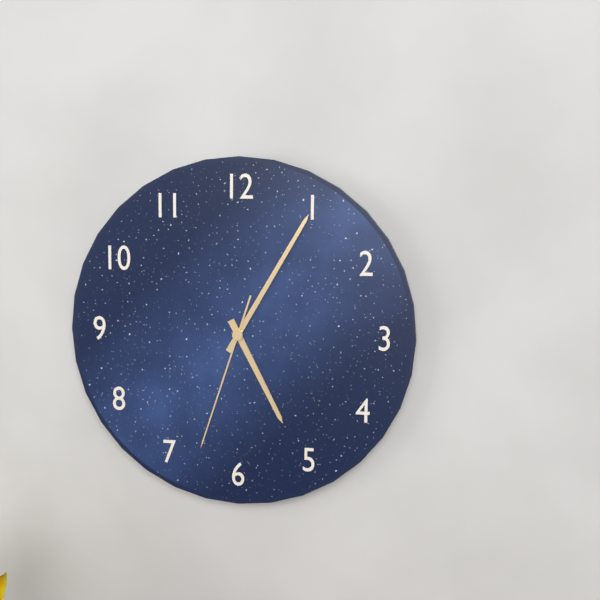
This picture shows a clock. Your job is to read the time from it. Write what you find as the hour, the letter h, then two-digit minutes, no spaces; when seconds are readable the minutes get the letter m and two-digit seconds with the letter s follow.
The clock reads 5h05m33s
